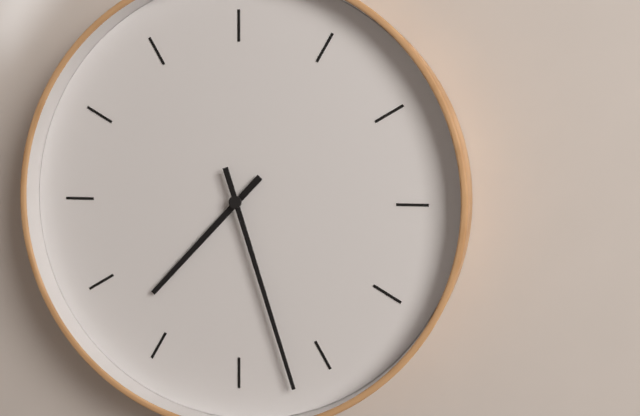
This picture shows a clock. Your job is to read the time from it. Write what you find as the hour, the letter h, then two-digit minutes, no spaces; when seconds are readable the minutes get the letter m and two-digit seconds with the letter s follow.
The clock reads 7h27
